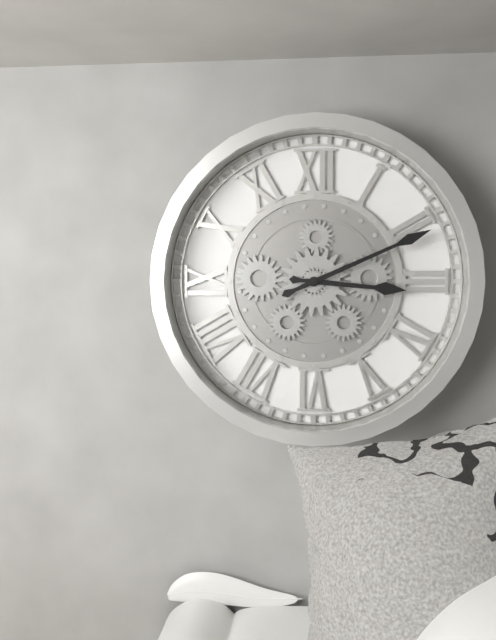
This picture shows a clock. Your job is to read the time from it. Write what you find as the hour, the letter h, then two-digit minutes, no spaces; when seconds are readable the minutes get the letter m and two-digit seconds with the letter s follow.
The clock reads 3h11
